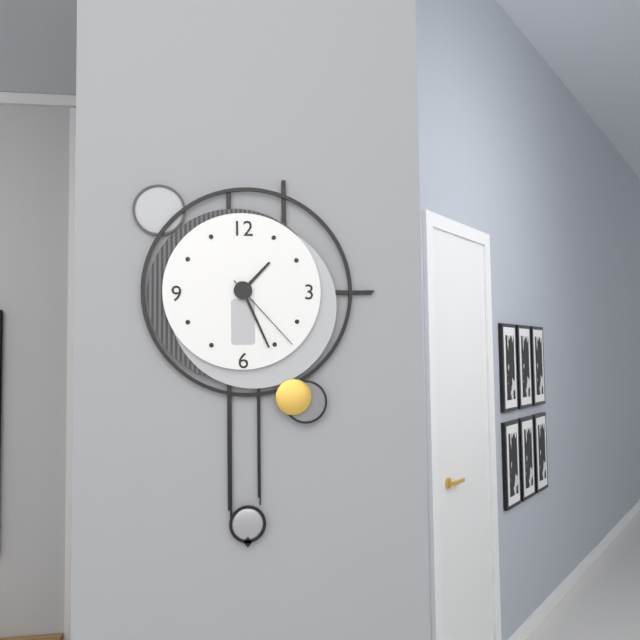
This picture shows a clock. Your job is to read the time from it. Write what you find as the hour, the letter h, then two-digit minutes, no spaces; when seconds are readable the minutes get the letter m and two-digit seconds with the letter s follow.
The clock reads 1h26m23s
